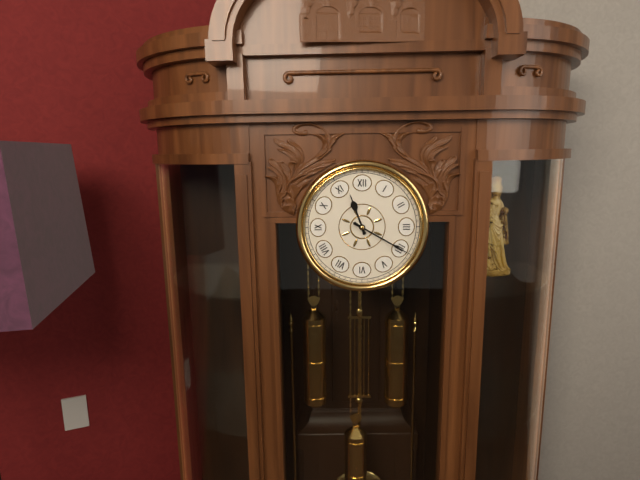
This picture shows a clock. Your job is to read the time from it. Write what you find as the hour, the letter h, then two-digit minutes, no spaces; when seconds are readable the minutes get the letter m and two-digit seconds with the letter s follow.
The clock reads 11h20
